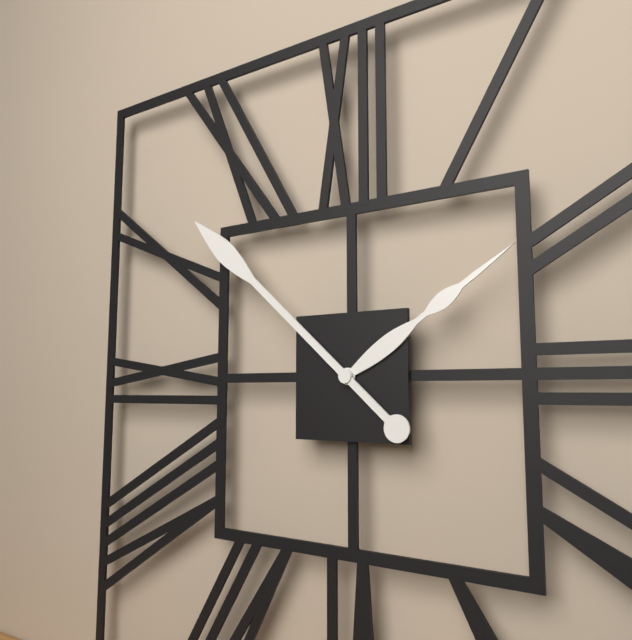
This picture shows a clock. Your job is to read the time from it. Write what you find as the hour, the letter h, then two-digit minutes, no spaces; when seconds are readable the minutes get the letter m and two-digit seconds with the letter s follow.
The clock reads 1h52
